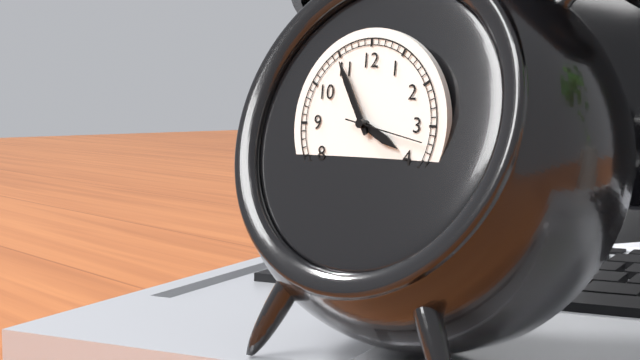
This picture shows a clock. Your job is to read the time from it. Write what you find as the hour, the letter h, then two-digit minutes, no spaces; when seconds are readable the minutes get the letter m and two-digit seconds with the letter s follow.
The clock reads 3h55m17s
